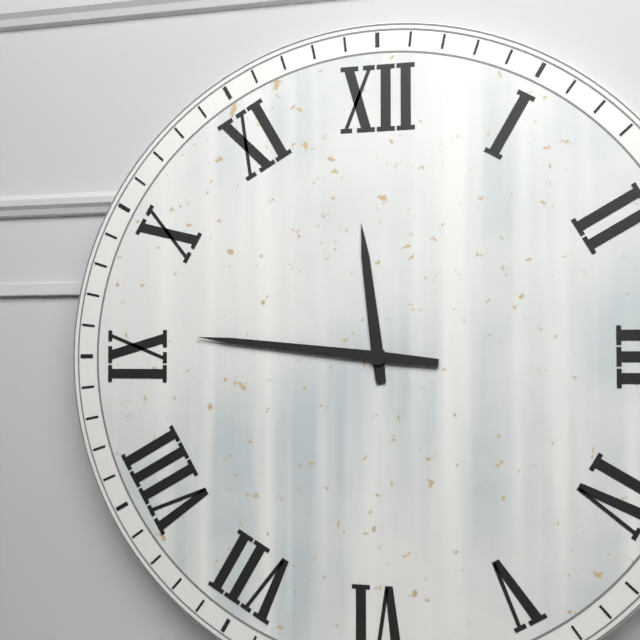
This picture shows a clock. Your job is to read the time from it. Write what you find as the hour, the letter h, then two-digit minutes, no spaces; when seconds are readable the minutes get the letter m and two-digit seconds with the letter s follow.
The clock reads 11h46
